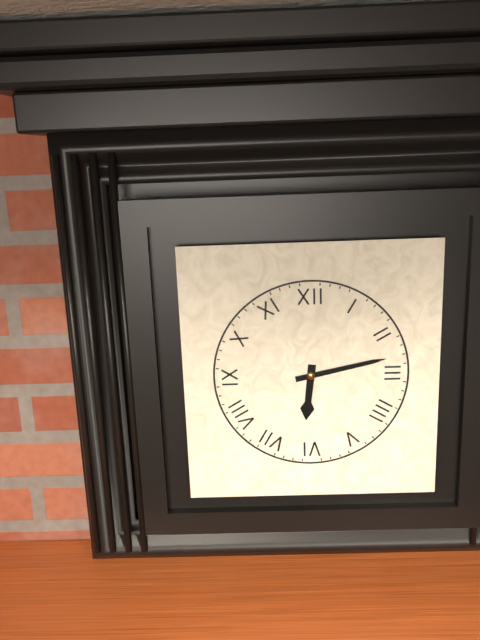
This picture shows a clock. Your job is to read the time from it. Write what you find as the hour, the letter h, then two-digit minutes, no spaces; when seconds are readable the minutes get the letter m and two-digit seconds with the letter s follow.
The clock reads 6h13
